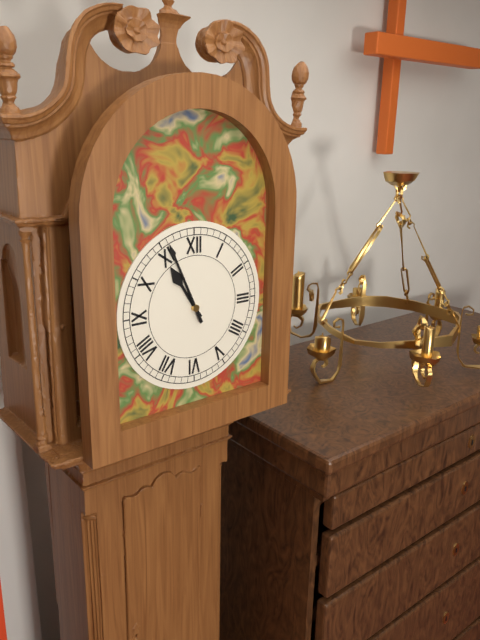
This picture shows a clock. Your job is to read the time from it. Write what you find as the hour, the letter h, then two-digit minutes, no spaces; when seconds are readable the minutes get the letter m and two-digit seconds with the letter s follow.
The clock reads 10h56
